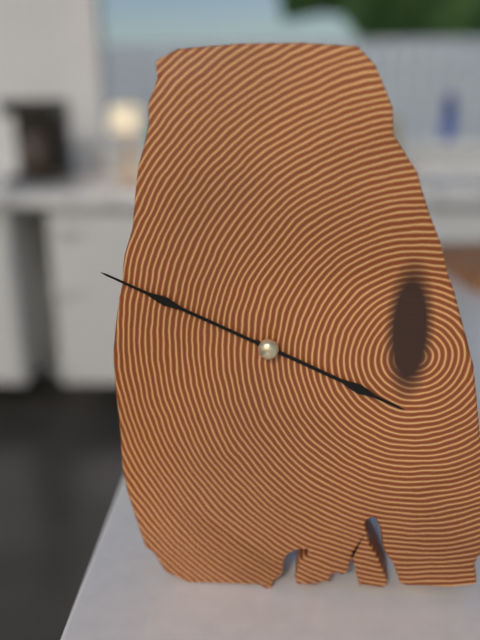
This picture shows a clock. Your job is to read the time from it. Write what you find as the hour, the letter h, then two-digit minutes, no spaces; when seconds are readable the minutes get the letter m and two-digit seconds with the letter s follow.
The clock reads 3h49
